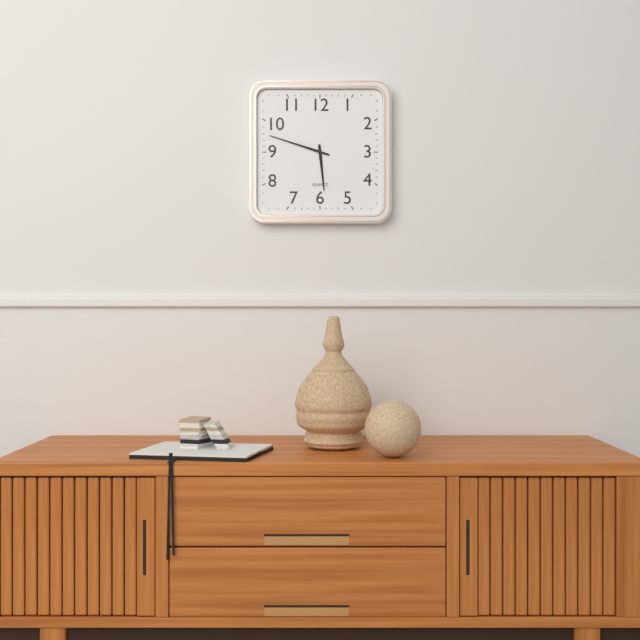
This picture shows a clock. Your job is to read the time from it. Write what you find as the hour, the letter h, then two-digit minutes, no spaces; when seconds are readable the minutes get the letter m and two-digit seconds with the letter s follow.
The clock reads 5h48
